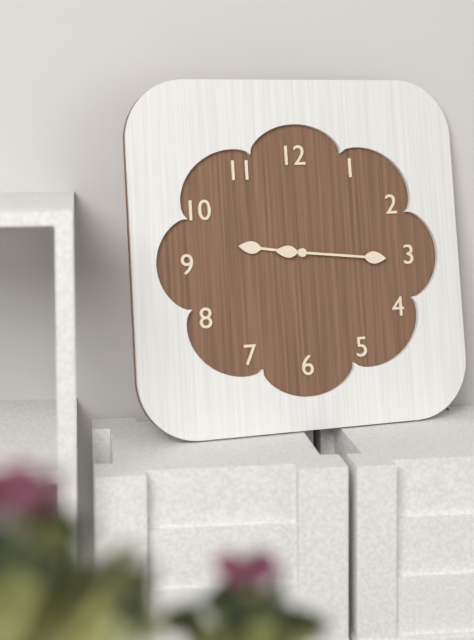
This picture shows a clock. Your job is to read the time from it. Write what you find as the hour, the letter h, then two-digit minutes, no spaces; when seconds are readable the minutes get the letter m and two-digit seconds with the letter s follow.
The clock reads 9h16
